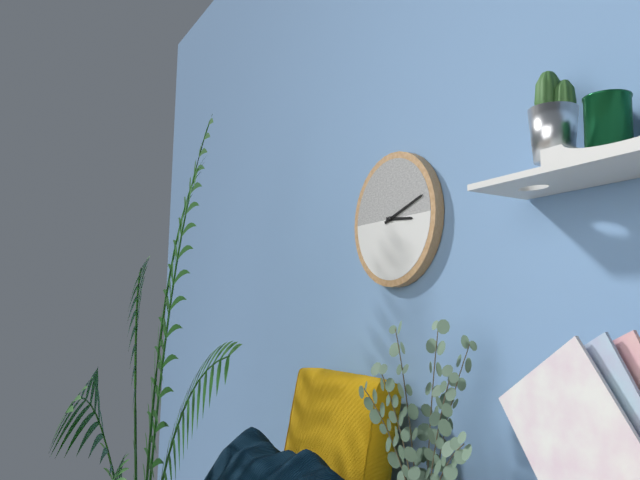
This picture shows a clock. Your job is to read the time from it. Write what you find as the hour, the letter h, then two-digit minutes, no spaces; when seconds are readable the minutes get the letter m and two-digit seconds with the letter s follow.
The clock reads 3h12
